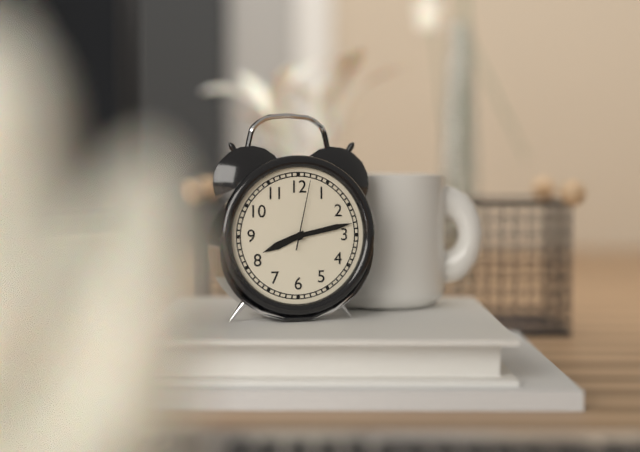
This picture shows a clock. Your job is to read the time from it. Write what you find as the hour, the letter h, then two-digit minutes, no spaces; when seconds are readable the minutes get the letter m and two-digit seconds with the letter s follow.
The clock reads 8h13m02s
